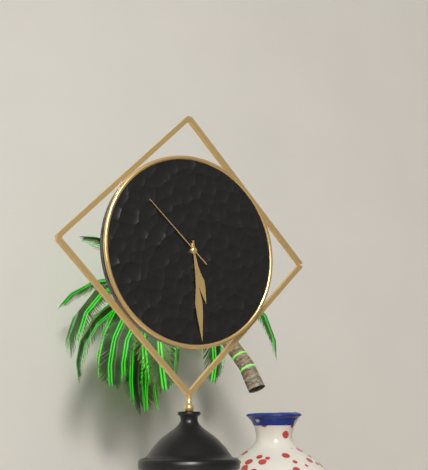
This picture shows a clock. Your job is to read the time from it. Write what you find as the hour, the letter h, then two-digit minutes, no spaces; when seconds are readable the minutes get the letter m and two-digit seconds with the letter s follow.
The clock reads 5h29m52s
